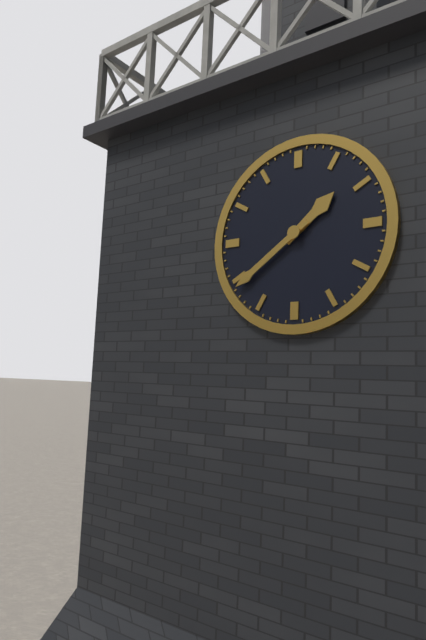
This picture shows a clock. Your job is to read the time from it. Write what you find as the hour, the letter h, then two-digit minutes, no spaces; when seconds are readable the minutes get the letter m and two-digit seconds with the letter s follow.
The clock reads 1h39
